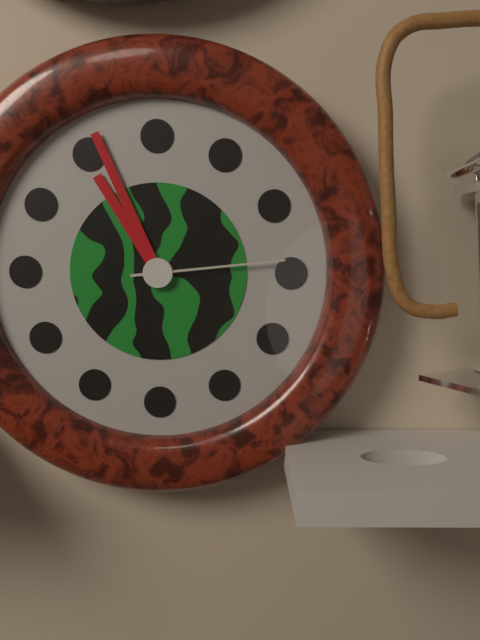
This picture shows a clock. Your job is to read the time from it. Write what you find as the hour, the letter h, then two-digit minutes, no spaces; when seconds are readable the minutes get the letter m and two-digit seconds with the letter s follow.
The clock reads 10h56m14s
